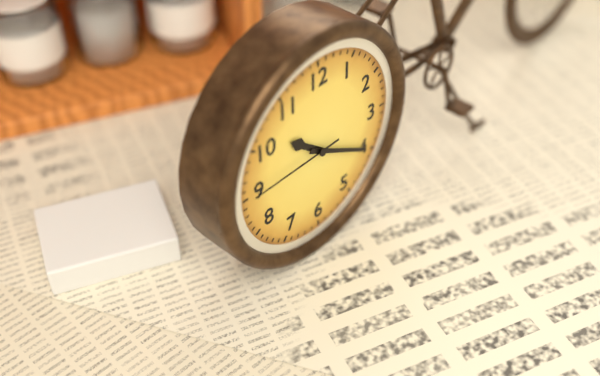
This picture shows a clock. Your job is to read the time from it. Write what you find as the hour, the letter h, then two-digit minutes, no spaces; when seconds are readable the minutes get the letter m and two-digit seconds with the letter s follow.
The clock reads 10h20m45s
